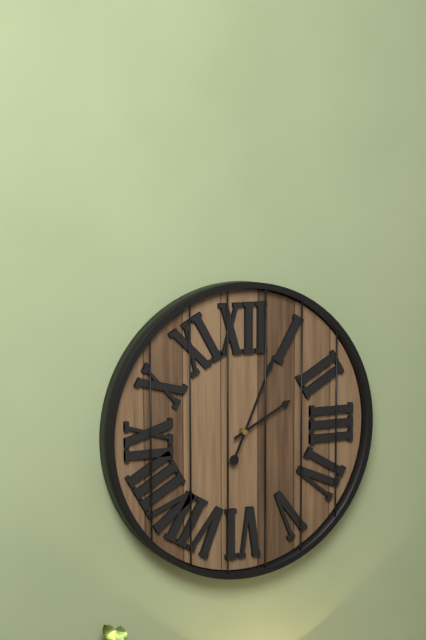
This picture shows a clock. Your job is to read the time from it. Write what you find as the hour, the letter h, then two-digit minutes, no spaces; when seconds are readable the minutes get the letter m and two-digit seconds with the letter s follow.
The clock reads 2h04
